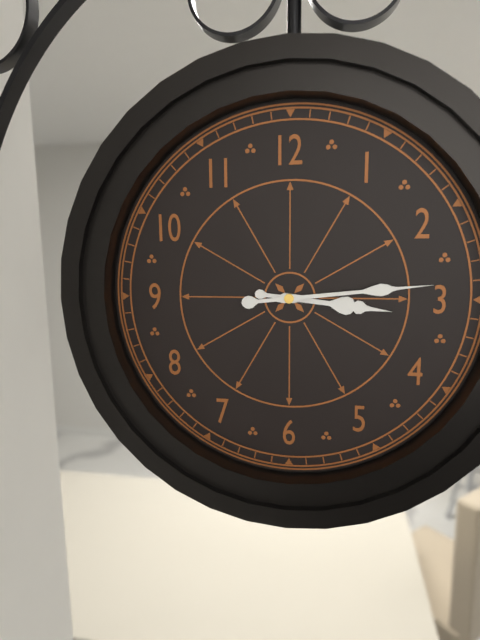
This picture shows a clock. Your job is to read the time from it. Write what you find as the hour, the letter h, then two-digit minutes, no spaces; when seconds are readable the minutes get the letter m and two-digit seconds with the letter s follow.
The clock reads 3h14
